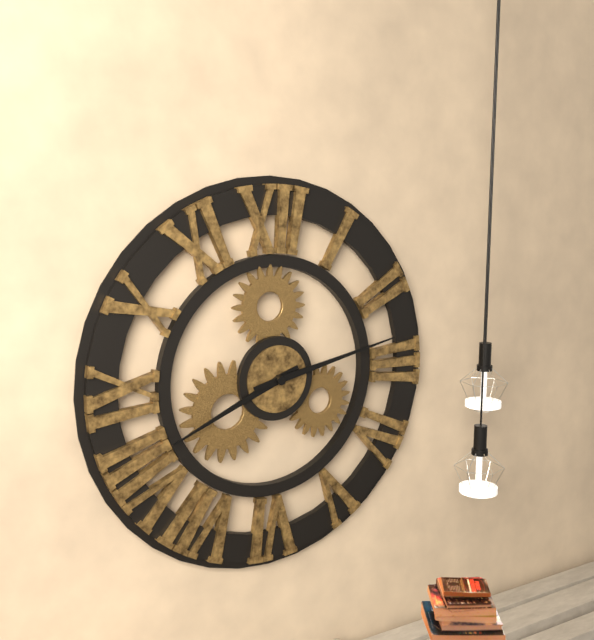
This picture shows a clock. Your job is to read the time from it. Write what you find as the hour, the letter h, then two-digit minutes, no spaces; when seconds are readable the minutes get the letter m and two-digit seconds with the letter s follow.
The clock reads 8h13
